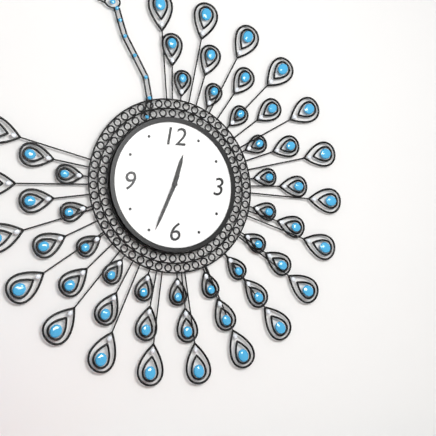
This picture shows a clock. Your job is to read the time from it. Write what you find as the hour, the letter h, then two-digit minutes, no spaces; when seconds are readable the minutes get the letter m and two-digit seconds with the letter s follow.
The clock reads 12h34
